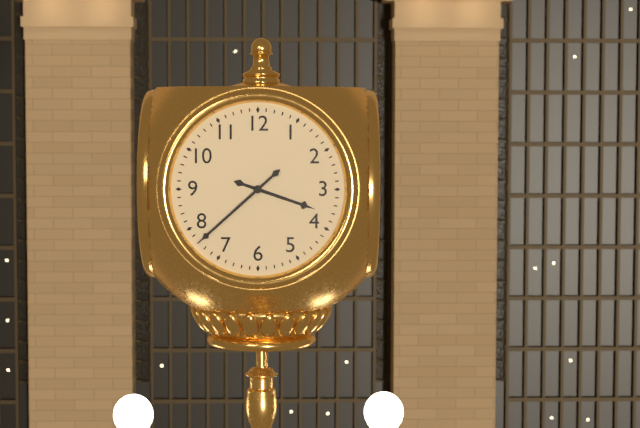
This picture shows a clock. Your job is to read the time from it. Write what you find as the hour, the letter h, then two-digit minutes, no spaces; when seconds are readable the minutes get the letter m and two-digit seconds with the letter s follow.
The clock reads 3h38
